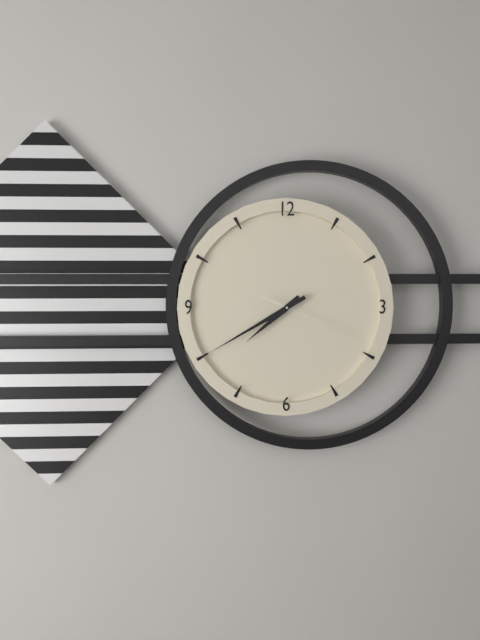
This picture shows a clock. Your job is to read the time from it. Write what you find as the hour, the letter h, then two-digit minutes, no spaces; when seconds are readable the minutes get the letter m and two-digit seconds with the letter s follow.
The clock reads 7h40m19s
